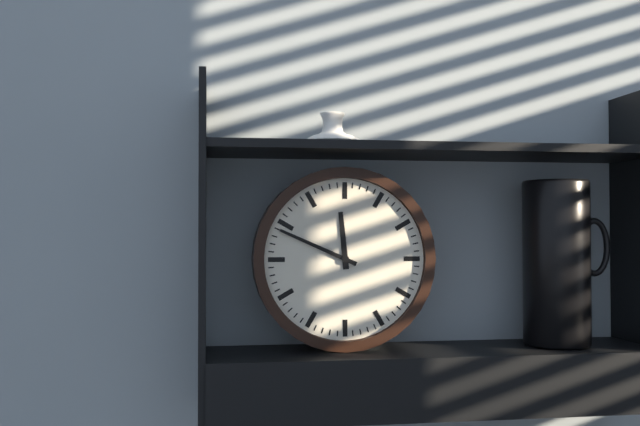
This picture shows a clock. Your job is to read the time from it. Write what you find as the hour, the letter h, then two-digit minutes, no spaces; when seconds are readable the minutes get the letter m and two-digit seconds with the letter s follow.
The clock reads 11h49
